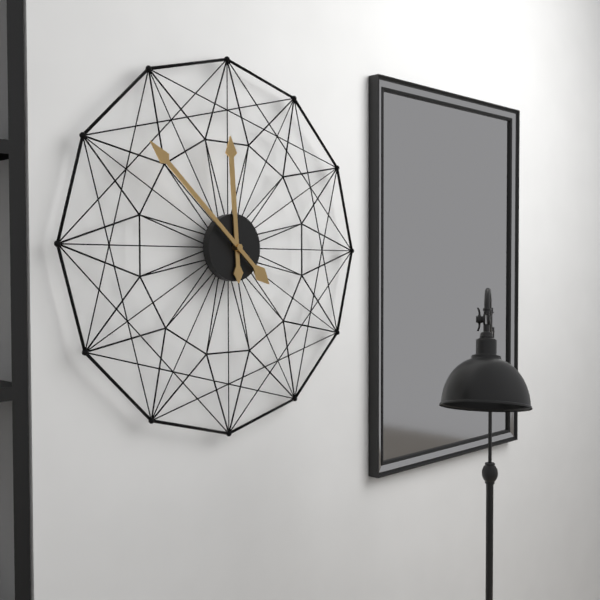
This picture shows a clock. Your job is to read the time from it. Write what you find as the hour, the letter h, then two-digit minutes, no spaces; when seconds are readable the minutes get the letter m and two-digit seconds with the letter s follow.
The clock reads 11h52
